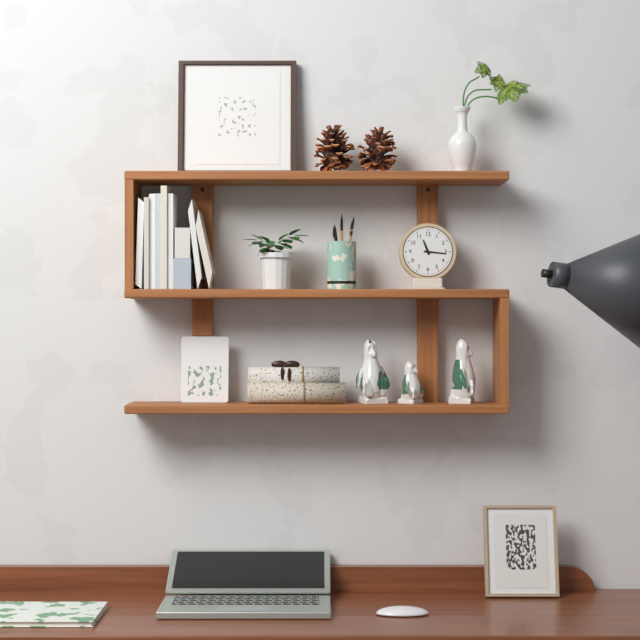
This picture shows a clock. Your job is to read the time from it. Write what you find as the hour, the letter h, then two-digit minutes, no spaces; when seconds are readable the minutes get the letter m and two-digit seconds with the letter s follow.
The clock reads 11h16
